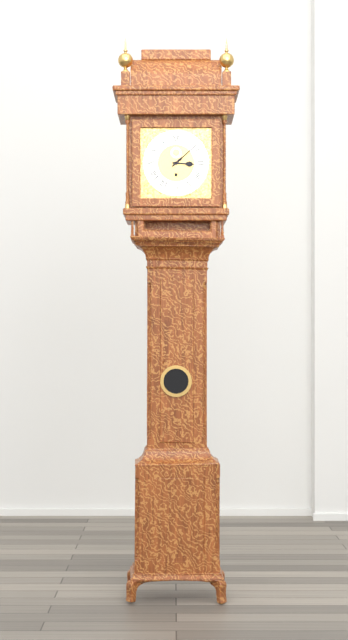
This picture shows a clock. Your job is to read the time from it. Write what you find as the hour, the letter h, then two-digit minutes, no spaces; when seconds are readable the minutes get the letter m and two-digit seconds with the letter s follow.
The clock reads 3h08
